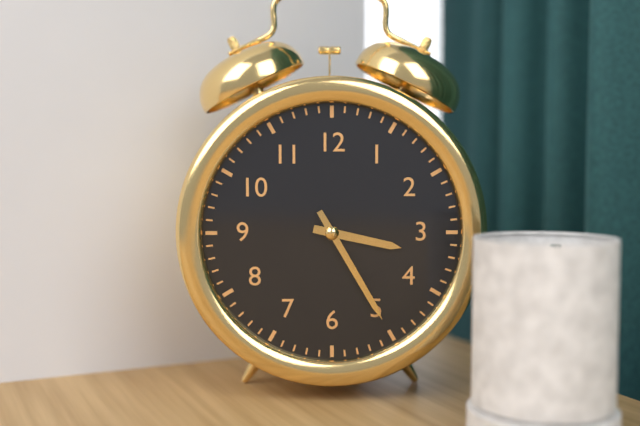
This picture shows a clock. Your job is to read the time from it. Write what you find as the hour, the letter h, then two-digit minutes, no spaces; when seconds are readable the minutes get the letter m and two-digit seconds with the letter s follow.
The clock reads 3h25
